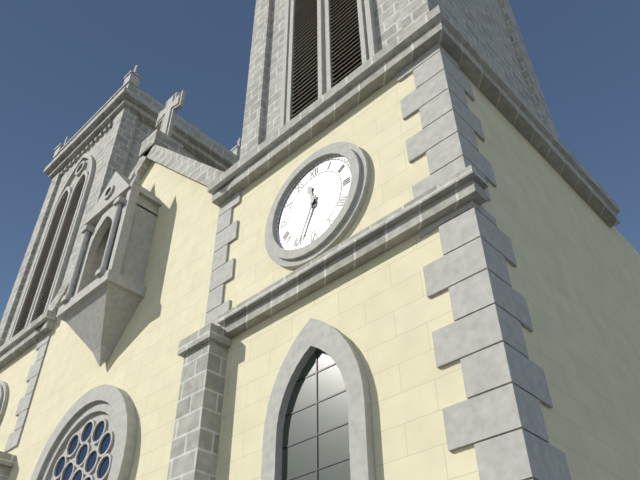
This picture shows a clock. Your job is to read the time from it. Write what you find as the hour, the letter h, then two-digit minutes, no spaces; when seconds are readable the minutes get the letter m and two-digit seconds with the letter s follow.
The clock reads 11h34
